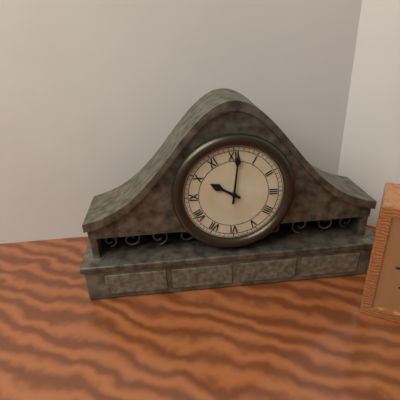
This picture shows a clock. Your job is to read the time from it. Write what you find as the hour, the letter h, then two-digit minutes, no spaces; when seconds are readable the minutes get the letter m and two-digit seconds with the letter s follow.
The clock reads 10h01
